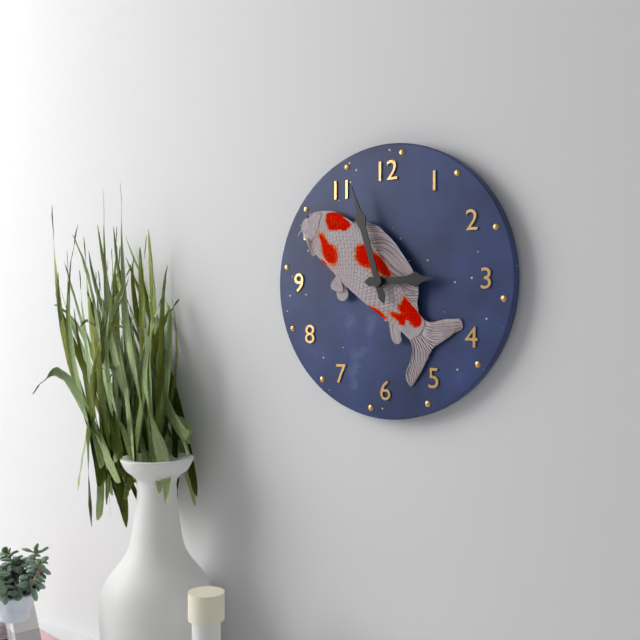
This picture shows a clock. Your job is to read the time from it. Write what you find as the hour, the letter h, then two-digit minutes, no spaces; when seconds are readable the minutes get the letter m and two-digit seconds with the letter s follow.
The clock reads 2h57
